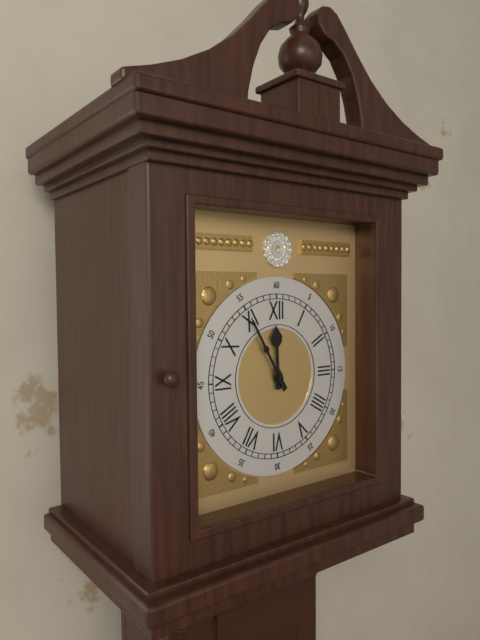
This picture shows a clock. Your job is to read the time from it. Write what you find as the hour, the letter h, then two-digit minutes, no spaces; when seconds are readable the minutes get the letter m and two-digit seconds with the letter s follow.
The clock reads 11h55
